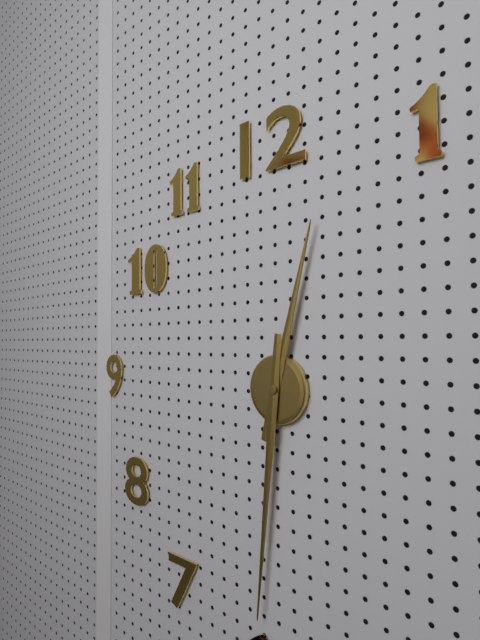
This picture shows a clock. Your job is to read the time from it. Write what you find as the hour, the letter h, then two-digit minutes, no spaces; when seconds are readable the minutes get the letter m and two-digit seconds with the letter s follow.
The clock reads 12h31
